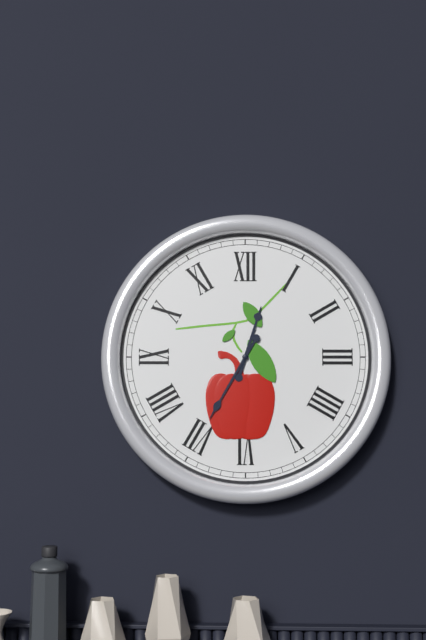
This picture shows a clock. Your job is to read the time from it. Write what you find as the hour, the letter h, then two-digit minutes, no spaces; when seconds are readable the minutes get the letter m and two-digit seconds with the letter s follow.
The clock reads 12h35
